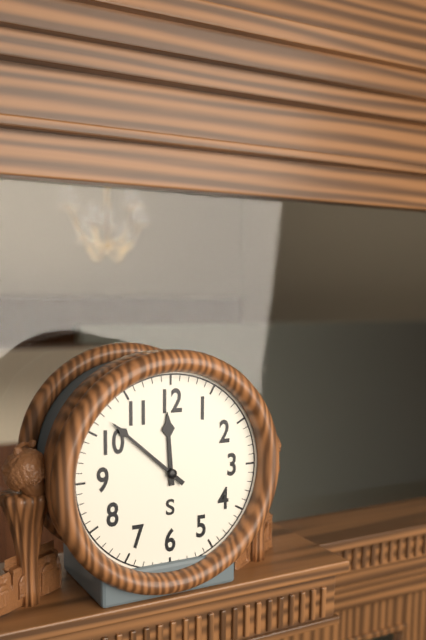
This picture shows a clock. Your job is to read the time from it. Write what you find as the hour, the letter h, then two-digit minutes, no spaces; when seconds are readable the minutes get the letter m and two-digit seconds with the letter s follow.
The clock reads 11h52
